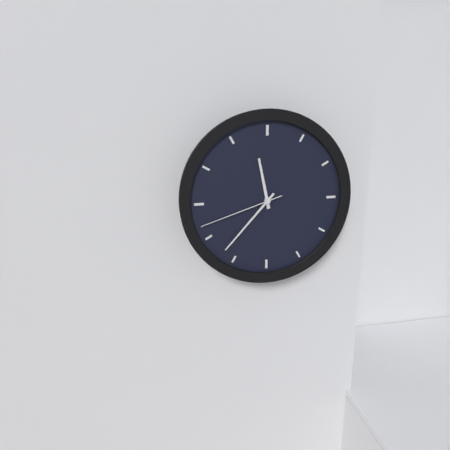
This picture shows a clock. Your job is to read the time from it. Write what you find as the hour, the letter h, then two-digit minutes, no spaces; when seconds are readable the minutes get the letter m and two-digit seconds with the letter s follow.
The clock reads 11h37m42s
